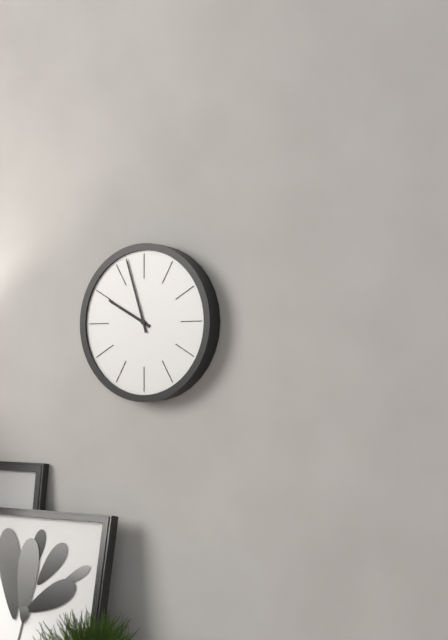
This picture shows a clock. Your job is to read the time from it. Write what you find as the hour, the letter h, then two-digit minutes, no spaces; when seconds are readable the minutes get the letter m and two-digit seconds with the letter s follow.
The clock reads 9h57
